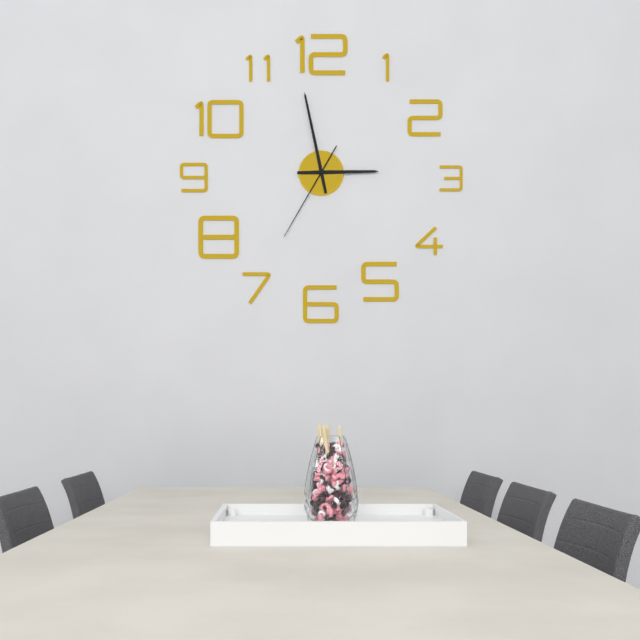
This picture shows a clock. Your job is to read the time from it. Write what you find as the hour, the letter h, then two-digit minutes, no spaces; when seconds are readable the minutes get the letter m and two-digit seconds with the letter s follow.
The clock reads 2h58m35s
